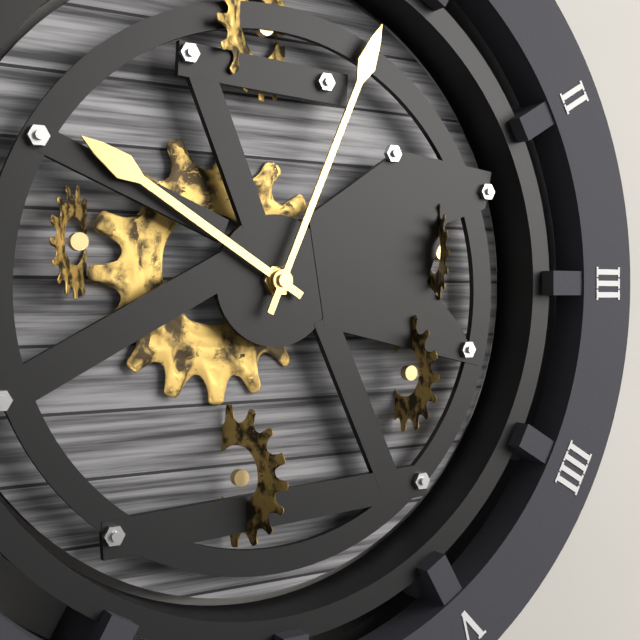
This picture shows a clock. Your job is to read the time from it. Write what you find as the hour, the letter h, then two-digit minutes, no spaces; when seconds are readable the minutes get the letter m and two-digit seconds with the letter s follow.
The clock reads 10h04
